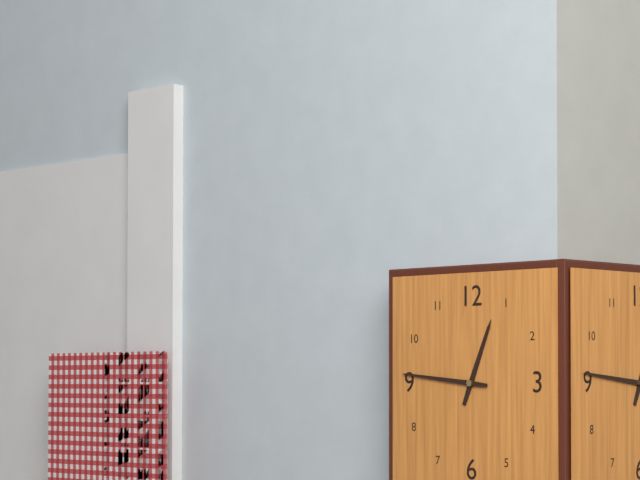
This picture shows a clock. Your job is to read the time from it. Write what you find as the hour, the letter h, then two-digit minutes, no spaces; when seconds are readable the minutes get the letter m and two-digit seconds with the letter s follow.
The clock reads 12h46
